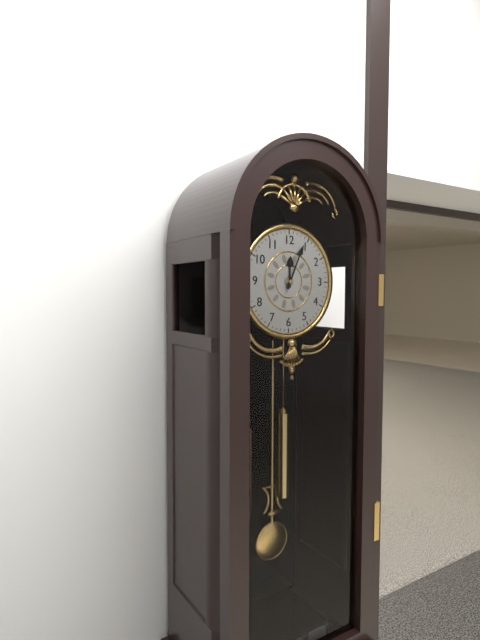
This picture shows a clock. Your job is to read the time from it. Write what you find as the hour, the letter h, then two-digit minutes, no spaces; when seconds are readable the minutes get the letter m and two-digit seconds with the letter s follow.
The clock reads 12h04
